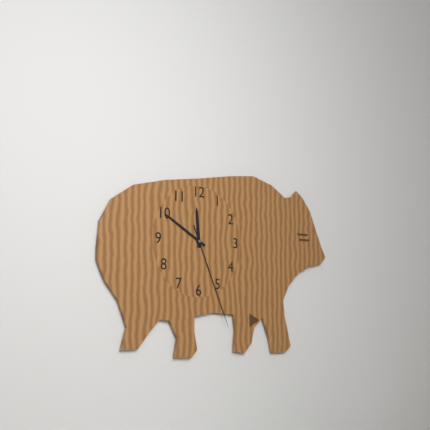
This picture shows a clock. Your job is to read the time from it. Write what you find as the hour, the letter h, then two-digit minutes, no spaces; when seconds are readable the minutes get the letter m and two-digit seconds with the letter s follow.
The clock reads 11h50m26s
